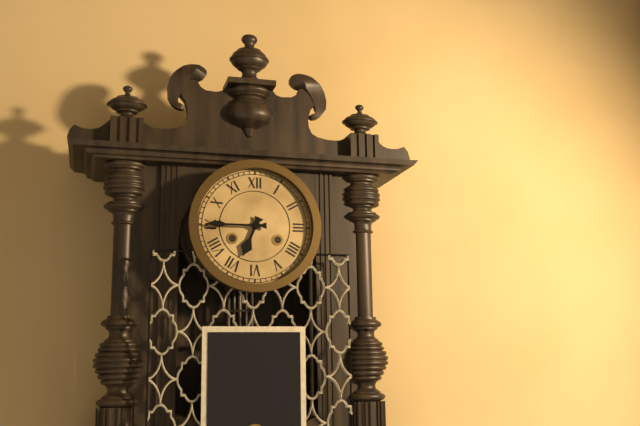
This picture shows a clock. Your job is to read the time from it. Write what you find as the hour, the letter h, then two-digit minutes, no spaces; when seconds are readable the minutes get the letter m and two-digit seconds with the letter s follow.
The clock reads 6h45
